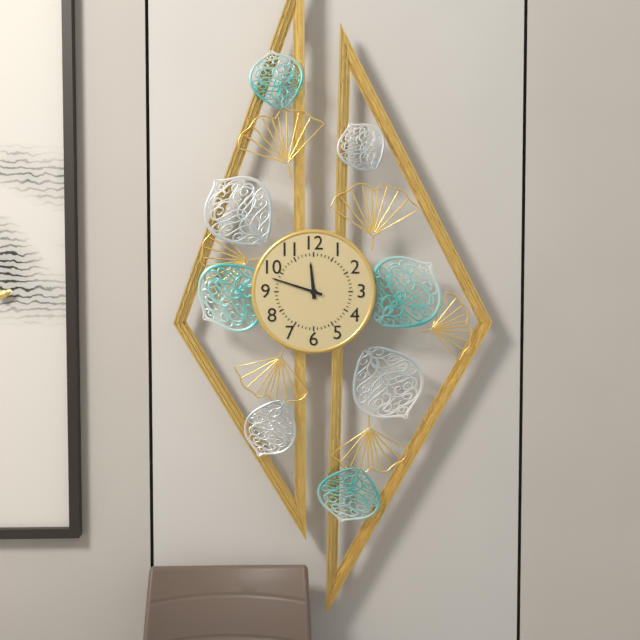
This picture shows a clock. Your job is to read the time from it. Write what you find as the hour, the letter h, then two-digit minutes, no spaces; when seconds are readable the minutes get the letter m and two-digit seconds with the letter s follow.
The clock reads 11h48
